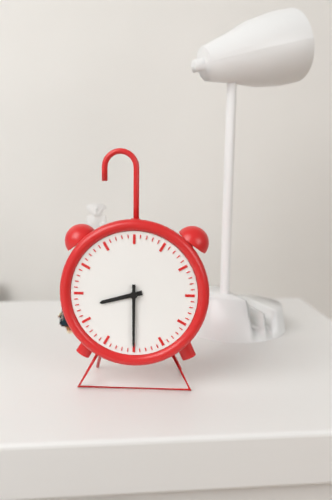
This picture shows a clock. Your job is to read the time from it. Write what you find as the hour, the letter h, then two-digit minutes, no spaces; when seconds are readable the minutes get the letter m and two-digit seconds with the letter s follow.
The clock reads 8h30
